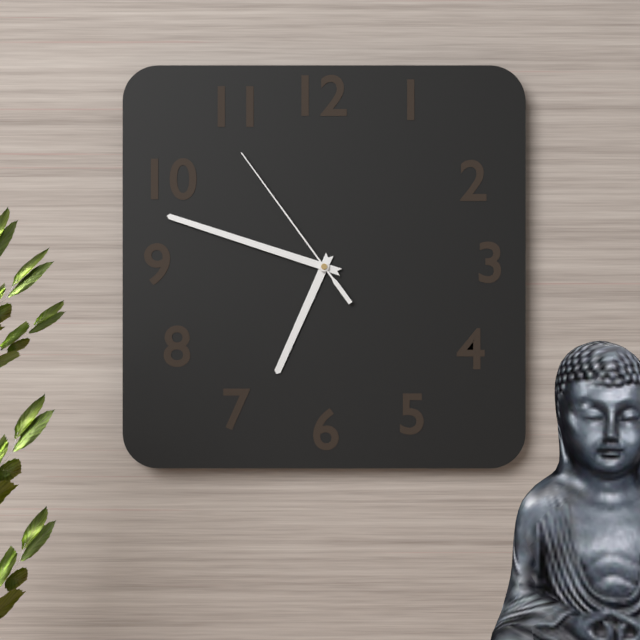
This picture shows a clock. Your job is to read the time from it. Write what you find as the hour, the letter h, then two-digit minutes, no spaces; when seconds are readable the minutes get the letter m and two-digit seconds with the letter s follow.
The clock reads 6h48m54s
